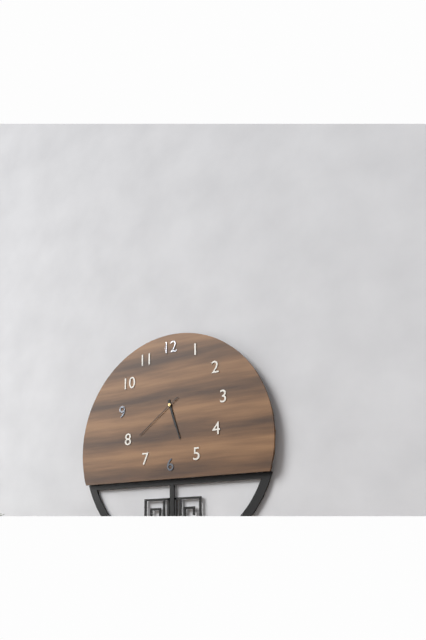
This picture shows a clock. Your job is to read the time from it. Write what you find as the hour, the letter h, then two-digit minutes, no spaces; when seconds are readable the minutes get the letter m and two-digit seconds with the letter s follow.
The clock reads 5h27m39s
